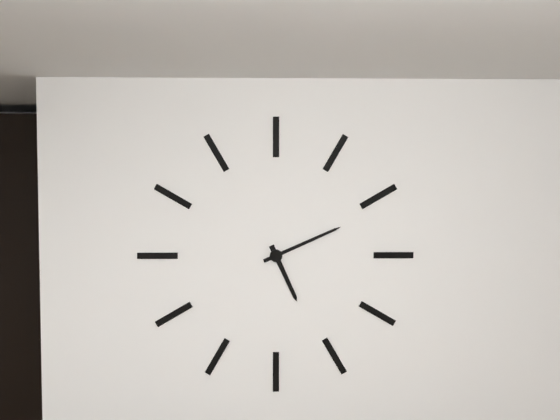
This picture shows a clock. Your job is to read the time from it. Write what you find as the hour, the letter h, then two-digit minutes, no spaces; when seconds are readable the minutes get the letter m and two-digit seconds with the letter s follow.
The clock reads 5h11
